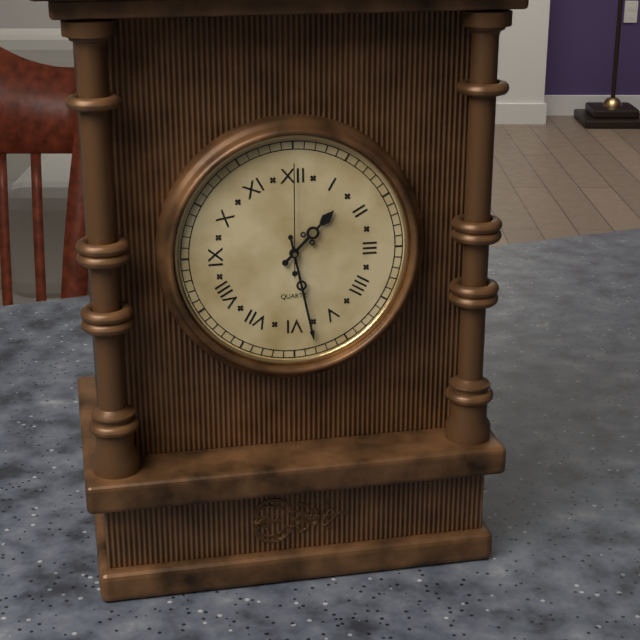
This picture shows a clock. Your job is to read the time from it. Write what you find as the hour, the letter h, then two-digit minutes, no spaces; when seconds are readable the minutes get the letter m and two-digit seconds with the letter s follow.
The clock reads 1h28m00s
